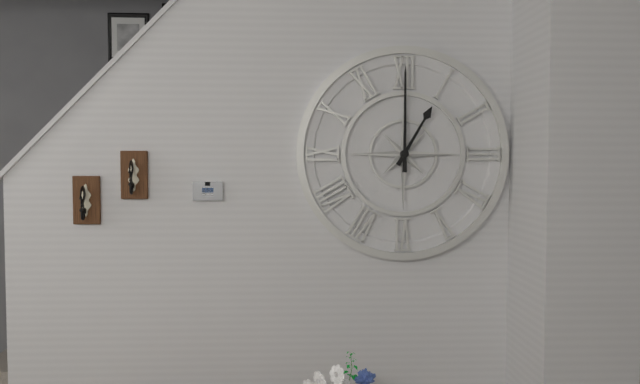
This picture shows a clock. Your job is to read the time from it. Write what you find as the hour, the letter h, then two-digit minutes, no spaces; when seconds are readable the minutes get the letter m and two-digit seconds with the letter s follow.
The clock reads 1h00
